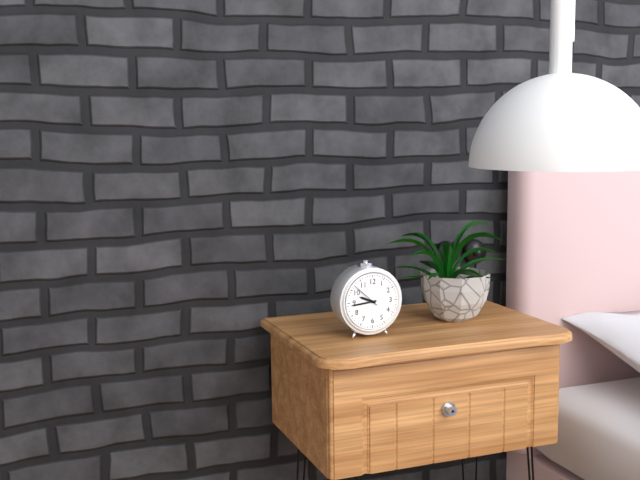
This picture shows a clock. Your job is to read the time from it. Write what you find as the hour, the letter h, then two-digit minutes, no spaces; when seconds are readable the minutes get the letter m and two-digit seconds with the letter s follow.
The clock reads 9h44
